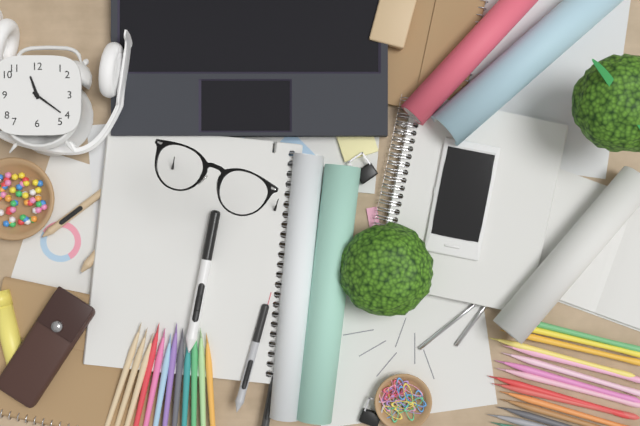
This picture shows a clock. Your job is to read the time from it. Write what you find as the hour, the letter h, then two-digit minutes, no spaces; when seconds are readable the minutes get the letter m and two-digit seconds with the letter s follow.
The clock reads 11h21
